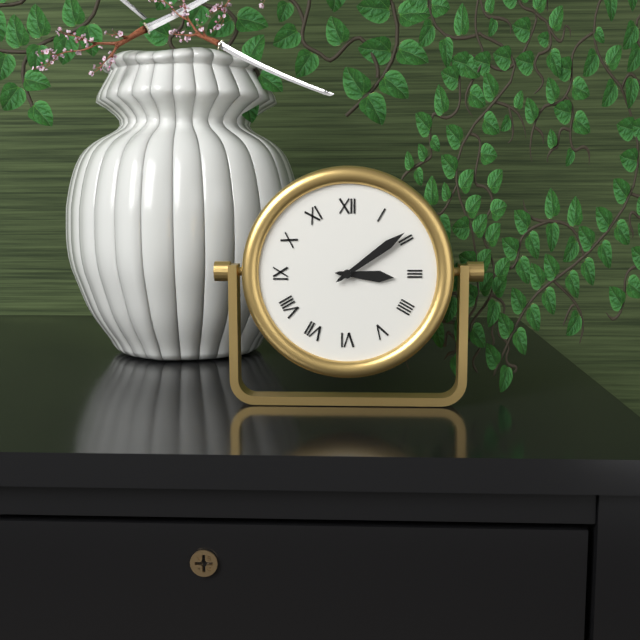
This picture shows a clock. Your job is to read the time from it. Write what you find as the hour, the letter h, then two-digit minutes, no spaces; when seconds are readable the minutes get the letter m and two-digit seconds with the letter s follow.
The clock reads 3h09
